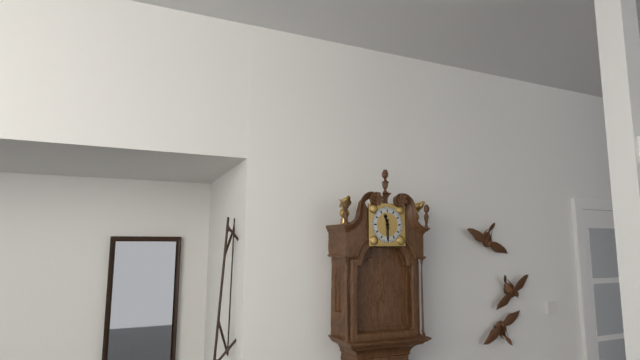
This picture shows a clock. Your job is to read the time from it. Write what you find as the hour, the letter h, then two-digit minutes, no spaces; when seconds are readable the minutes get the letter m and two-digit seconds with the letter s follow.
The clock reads 11h30
